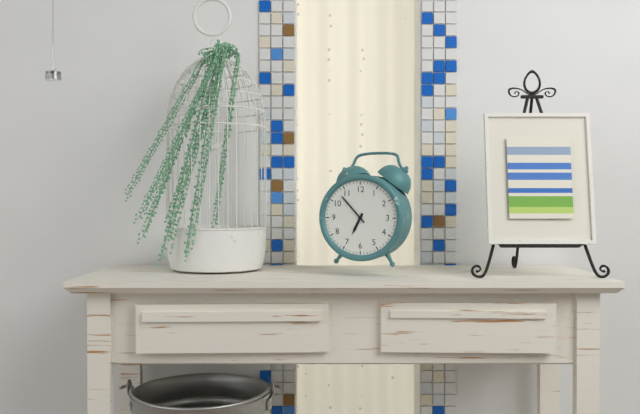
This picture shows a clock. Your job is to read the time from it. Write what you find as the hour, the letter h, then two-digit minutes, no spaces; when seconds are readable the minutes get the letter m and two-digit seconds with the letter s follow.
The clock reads 6h53
